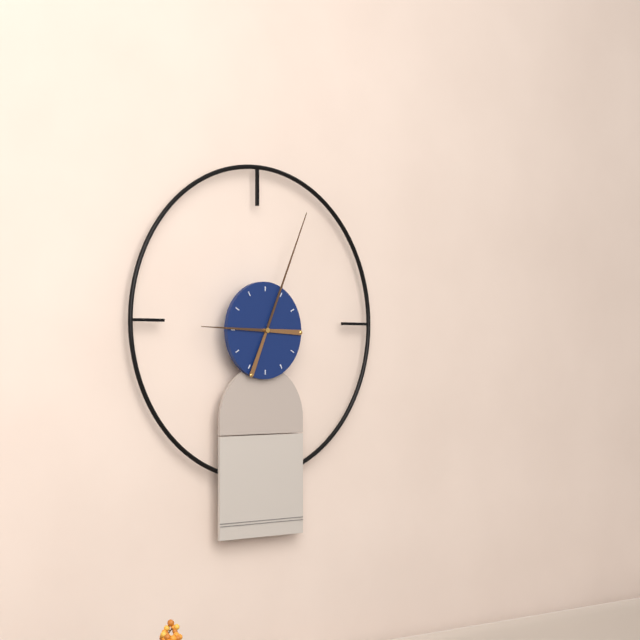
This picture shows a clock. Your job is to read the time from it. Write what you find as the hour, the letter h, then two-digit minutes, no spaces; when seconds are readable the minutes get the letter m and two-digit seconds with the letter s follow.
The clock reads 9h04
